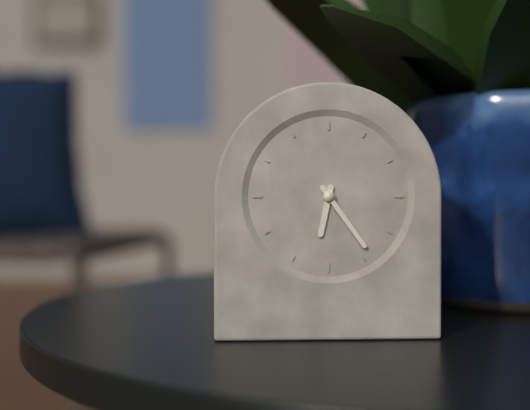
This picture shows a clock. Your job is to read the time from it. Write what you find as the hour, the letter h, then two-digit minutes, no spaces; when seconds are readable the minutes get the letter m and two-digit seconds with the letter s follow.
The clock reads 6h24
